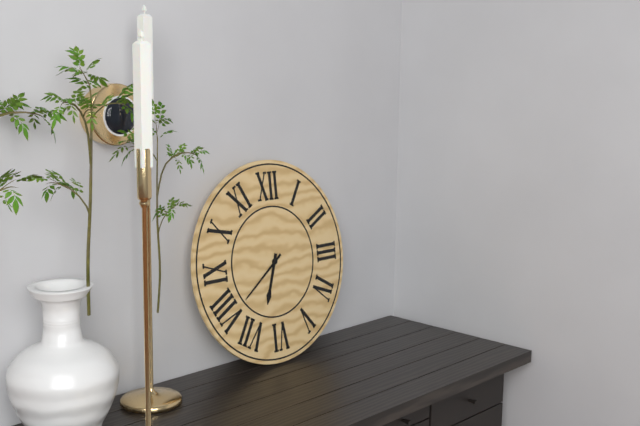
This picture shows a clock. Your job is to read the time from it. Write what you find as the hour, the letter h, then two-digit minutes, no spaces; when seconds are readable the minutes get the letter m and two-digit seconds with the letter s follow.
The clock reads 6h39
